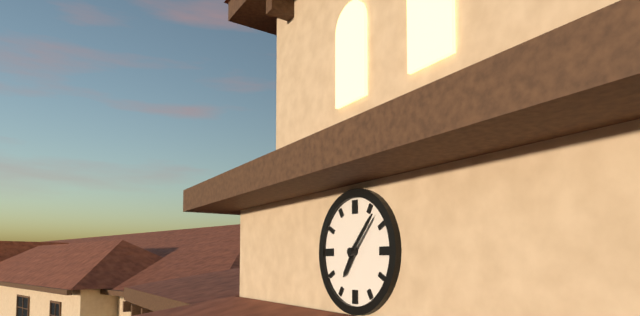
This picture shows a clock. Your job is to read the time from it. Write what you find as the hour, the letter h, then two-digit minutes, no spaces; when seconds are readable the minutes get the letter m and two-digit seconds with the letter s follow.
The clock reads 7h07
